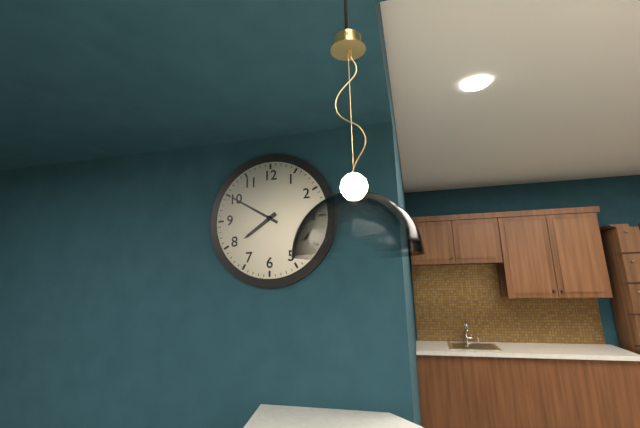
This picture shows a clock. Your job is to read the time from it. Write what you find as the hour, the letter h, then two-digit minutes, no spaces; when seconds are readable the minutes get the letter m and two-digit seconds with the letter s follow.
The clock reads 7h50
